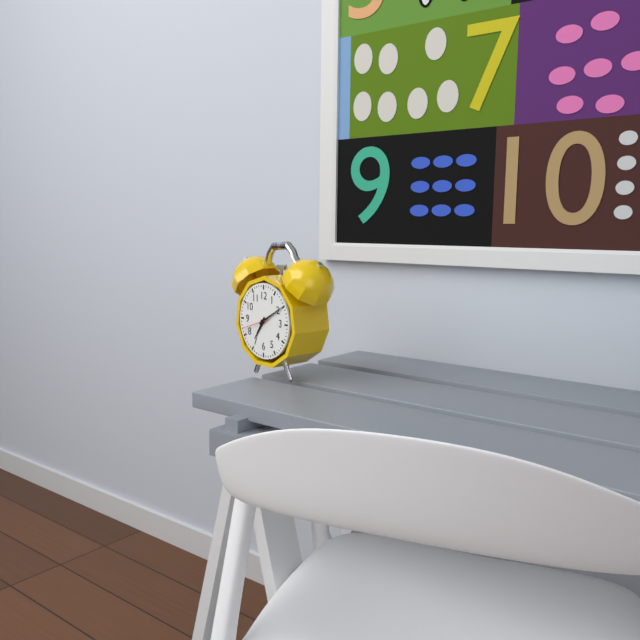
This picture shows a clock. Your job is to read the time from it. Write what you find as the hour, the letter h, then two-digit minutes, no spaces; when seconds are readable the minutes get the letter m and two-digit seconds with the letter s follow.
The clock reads 7h10
